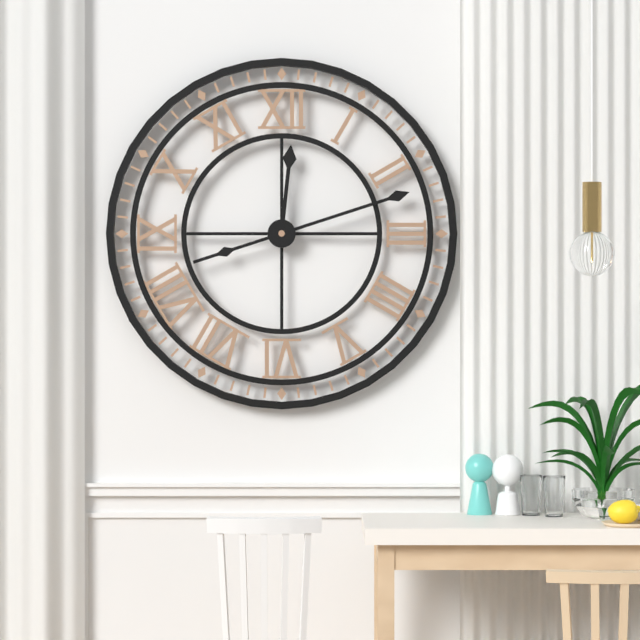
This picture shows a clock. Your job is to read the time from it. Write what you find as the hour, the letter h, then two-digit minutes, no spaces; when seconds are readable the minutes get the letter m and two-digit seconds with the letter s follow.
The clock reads 12h12
